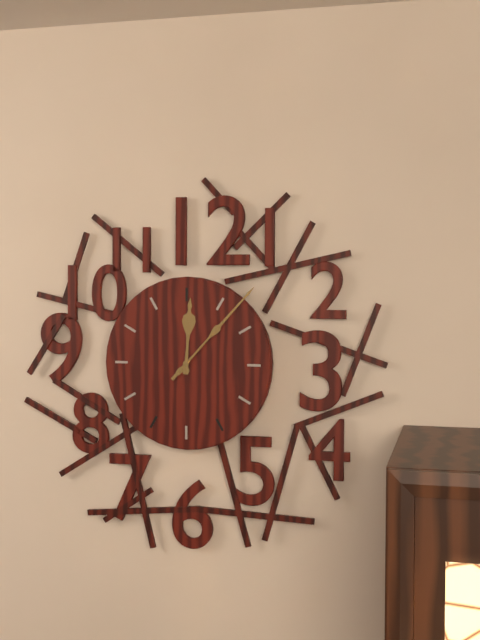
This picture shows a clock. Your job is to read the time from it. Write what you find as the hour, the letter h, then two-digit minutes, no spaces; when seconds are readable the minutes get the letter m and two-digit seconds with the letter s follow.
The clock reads 12h07m07s
